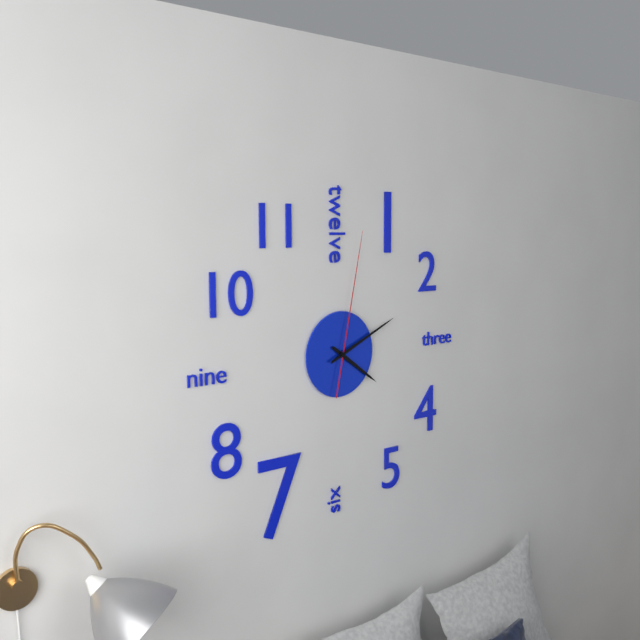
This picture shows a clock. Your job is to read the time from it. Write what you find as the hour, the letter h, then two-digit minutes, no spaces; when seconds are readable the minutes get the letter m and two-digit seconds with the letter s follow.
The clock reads 4h11m02s
